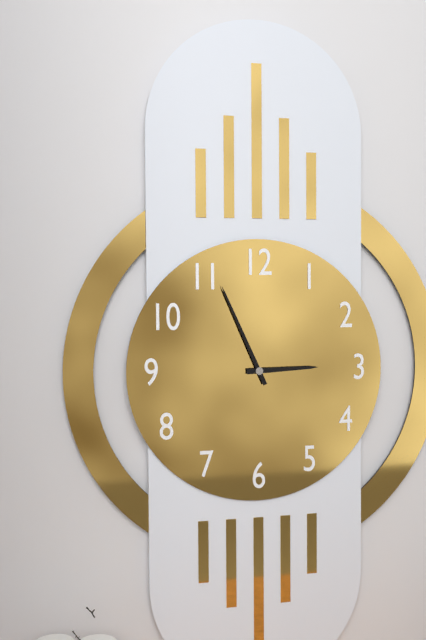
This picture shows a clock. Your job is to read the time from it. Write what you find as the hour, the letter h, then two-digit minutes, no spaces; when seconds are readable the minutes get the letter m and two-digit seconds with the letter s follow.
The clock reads 2h56
